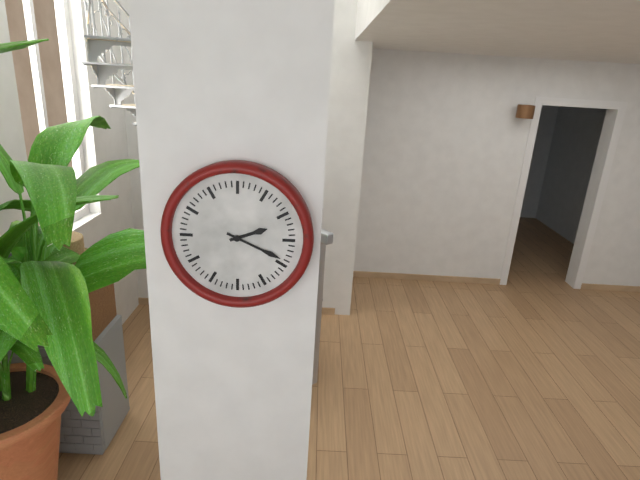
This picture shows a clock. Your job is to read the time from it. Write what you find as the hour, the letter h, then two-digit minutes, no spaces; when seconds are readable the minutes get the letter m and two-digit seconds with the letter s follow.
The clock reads 2h19
